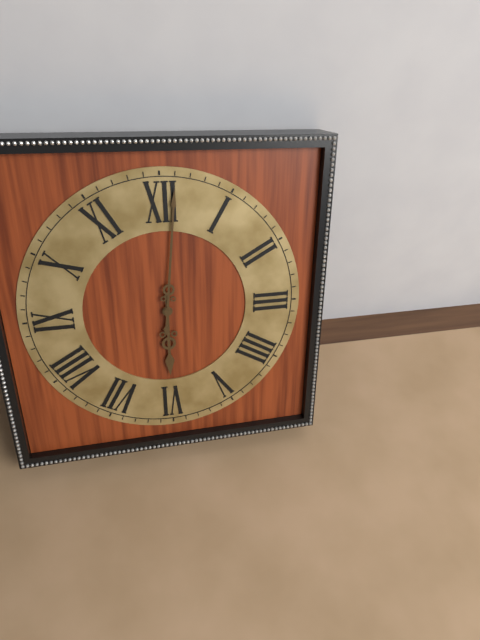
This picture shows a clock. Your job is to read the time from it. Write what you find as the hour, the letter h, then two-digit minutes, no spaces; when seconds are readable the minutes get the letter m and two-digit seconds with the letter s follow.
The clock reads 6h01
